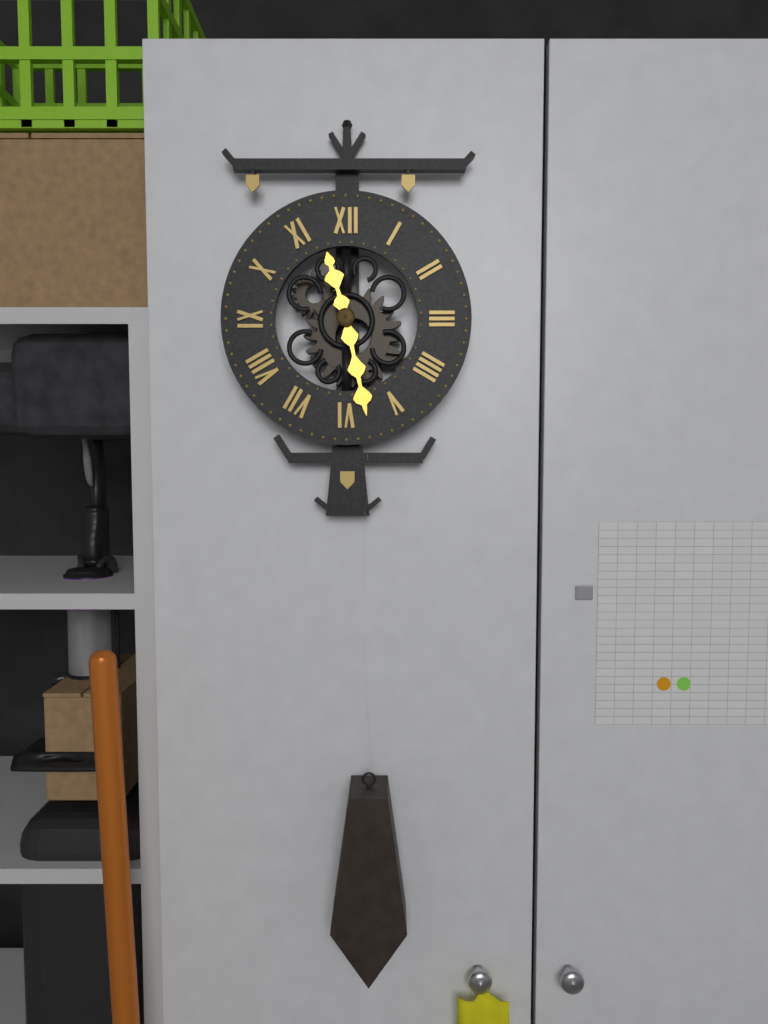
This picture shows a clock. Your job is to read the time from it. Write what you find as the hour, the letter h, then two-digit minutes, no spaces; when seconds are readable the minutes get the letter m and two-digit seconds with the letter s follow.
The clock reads 11h28
